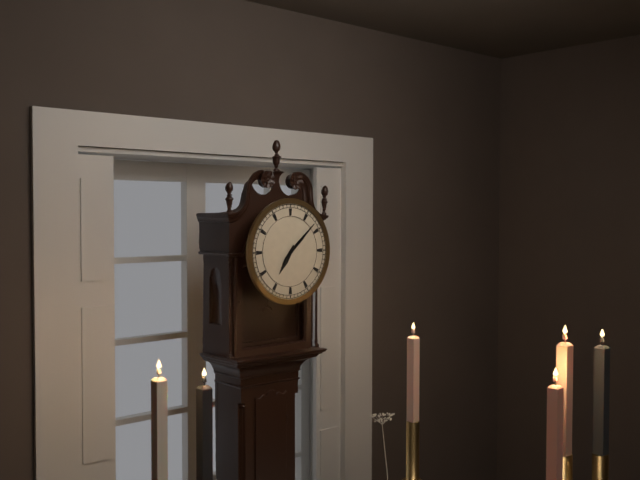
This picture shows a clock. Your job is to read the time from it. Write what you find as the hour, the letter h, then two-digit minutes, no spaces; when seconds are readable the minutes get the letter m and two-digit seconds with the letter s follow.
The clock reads 7h08
